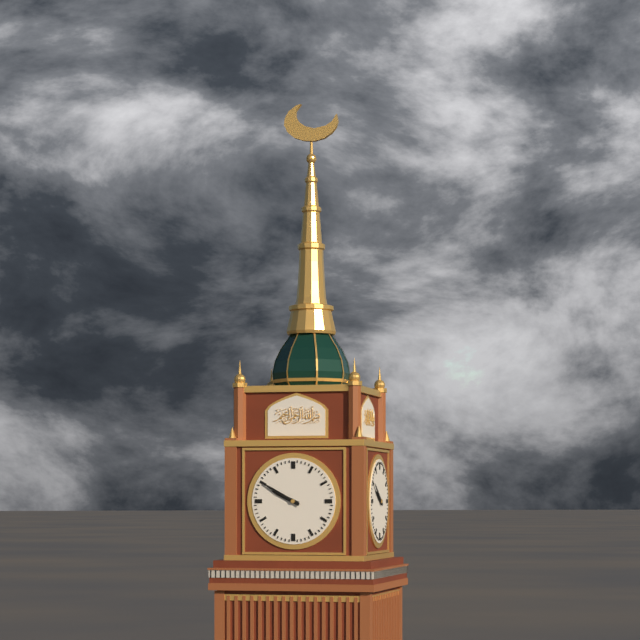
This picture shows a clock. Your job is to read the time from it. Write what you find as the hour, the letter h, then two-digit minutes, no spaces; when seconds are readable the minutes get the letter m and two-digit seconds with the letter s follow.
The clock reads 9h50
